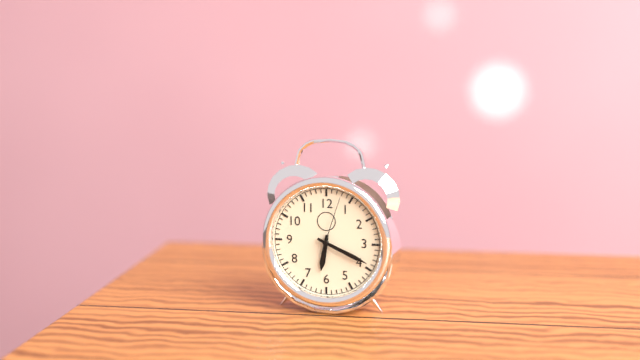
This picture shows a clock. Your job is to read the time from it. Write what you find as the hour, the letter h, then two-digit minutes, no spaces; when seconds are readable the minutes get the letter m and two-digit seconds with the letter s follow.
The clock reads 6h19m03s
